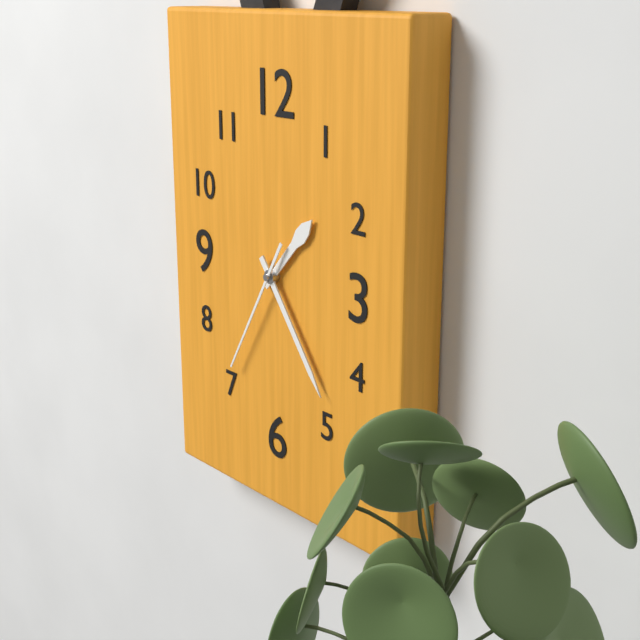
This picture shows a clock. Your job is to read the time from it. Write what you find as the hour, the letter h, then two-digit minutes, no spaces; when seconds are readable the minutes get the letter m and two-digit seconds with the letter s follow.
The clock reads 1h24m35s
